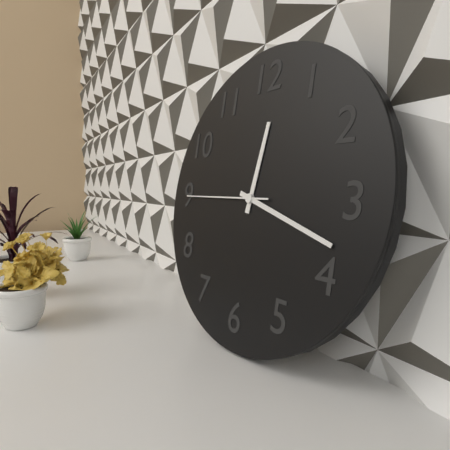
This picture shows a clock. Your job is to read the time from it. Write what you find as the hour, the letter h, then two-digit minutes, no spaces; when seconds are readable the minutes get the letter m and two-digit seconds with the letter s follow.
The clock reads 12h18m45s
